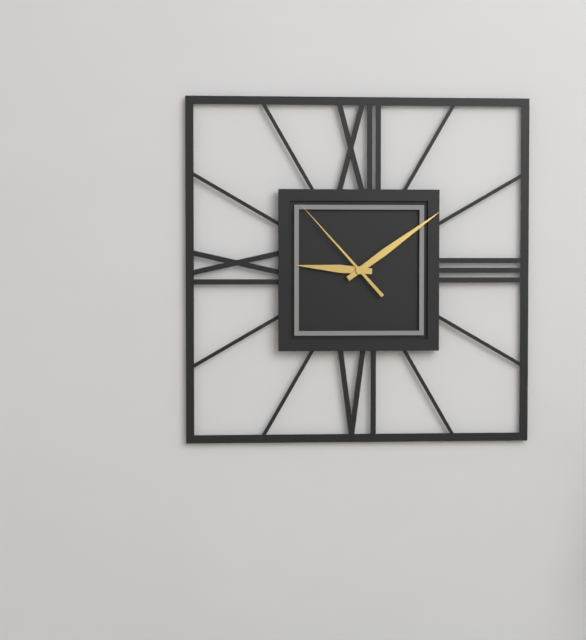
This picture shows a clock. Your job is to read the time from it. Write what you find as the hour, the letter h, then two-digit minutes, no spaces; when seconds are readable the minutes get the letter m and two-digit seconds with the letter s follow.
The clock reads 9h09m53s
